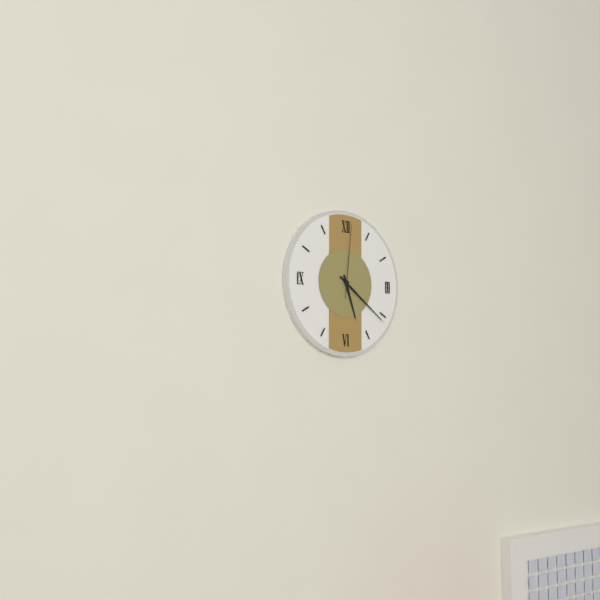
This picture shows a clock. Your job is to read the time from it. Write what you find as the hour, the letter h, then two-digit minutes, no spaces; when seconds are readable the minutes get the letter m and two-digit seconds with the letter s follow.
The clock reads 5h21m01s
